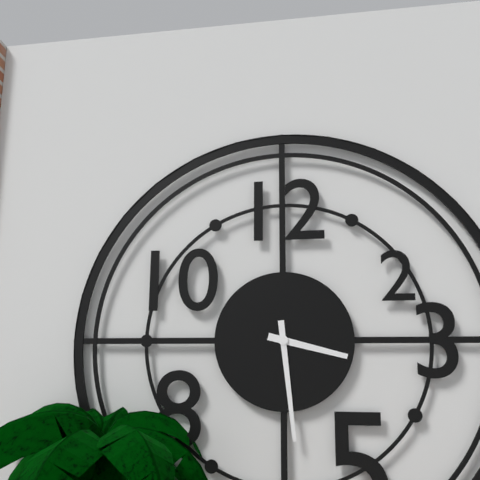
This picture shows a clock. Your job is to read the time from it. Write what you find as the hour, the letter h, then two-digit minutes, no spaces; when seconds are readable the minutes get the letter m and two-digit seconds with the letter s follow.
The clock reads 3h29
